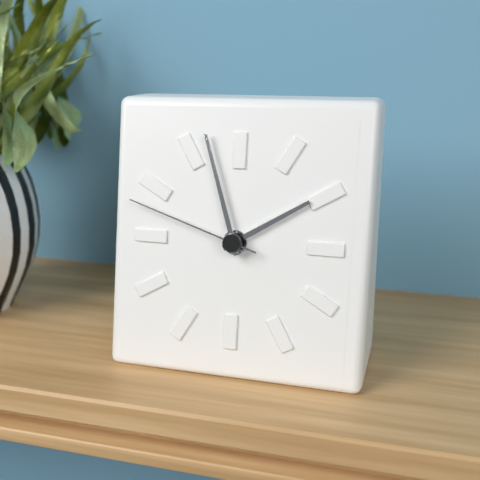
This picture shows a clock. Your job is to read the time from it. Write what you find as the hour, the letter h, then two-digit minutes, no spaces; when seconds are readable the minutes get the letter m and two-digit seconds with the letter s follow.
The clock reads 1h57m48s
